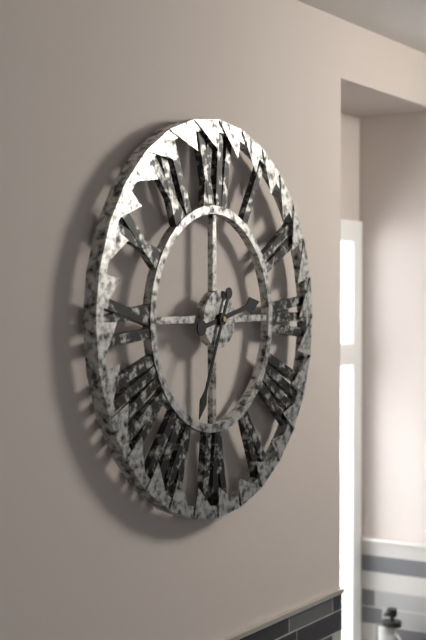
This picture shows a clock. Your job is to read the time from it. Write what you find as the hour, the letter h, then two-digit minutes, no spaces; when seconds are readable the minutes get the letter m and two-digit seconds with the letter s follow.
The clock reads 2h34
